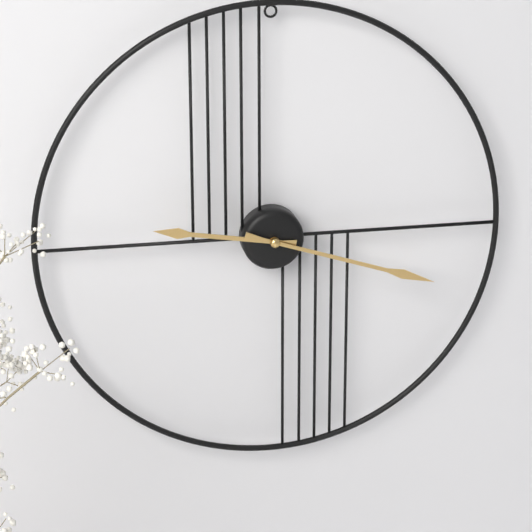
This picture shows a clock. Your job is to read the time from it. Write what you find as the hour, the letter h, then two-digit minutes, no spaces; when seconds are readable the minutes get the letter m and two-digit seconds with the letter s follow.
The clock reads 9h18
